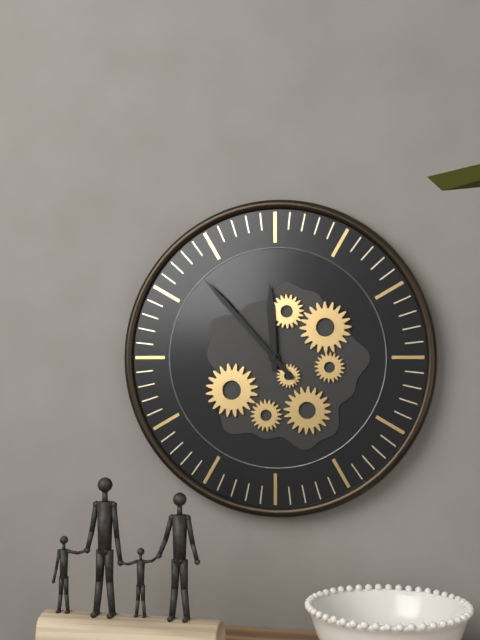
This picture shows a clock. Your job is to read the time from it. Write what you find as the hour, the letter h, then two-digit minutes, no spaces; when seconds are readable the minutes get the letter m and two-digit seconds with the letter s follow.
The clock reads 11h53
